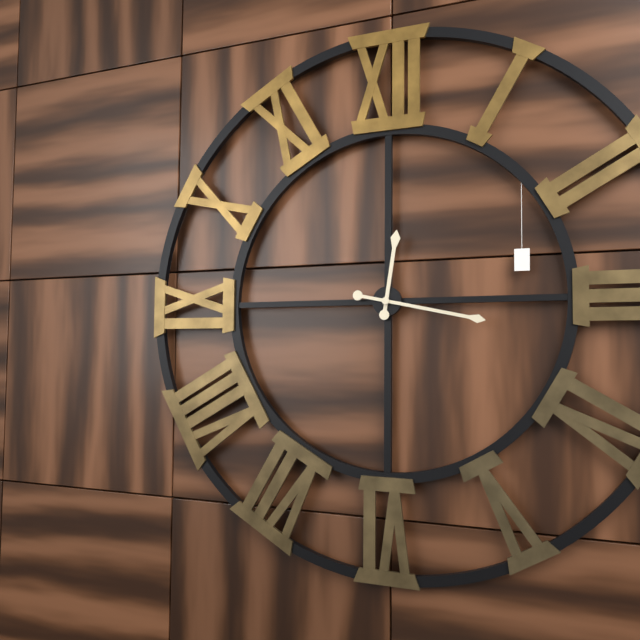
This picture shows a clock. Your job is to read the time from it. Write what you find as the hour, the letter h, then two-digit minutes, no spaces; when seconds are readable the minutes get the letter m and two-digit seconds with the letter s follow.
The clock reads 12h17
